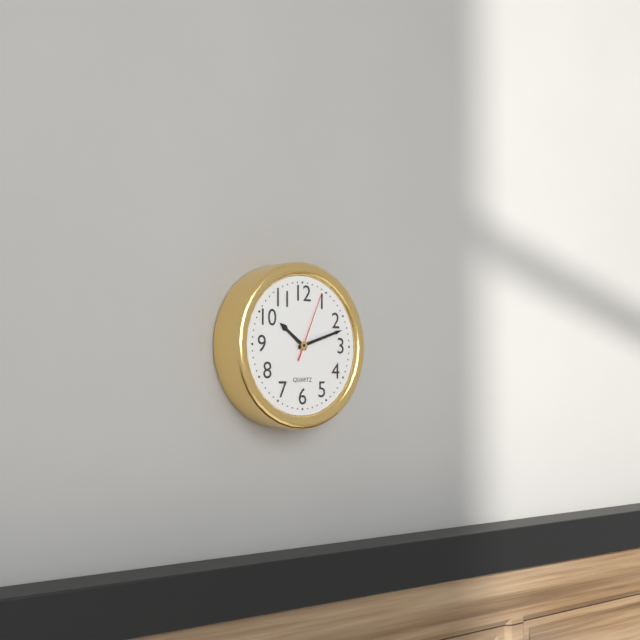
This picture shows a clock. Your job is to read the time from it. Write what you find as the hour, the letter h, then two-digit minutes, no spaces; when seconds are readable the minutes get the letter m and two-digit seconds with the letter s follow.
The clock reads 10h12m04s
